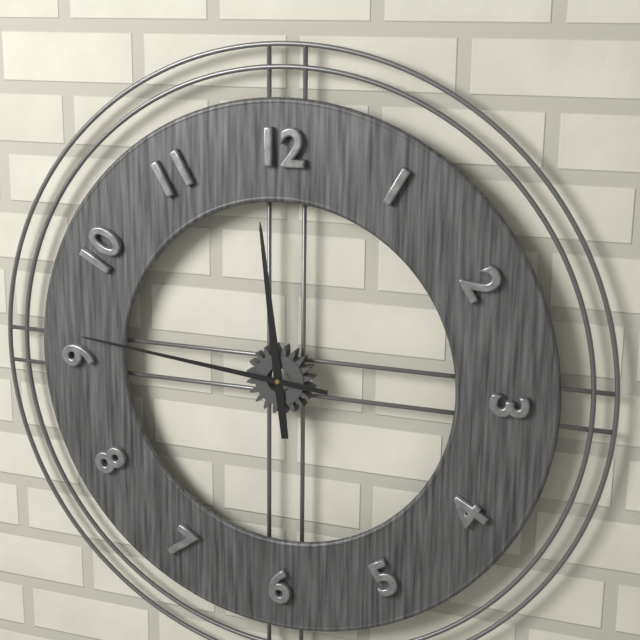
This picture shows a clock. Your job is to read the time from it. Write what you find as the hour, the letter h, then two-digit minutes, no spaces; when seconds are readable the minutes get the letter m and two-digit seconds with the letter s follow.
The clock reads 11h46
